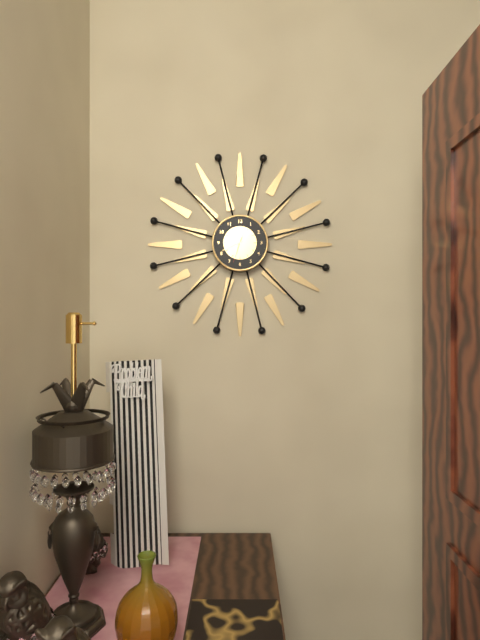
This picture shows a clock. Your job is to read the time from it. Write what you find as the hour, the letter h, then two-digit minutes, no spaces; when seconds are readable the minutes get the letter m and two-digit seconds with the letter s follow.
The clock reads 12h41
